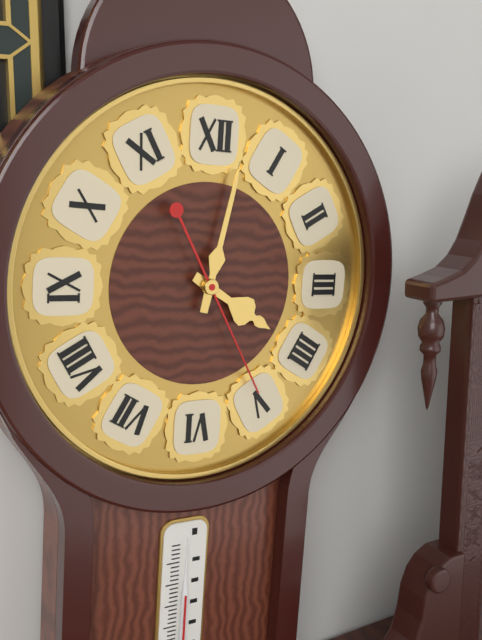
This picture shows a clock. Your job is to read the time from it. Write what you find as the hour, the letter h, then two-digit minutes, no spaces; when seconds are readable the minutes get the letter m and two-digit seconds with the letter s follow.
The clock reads 4h02m25s
